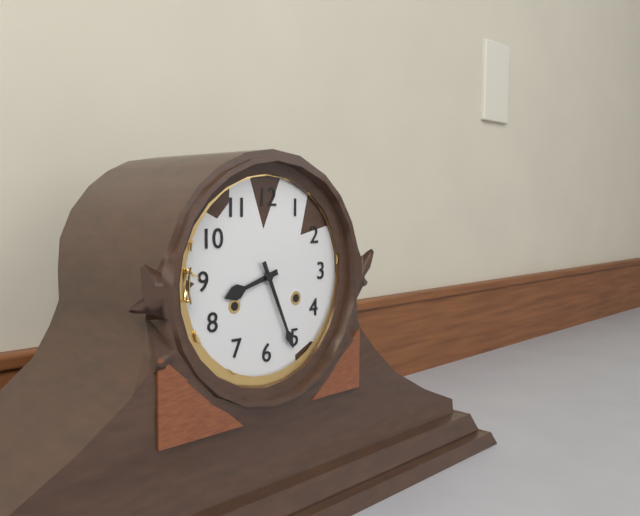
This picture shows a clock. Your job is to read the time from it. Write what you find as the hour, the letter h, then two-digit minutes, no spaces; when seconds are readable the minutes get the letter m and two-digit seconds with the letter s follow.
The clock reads 8h26
